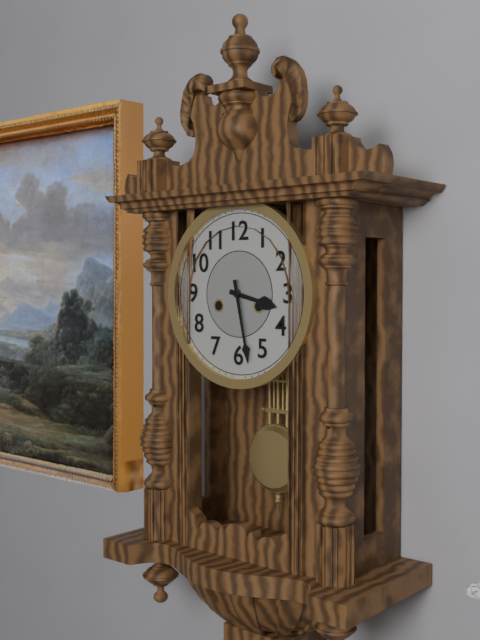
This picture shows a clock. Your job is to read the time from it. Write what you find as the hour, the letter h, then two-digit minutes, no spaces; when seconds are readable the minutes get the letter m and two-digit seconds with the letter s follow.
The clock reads 3h28
